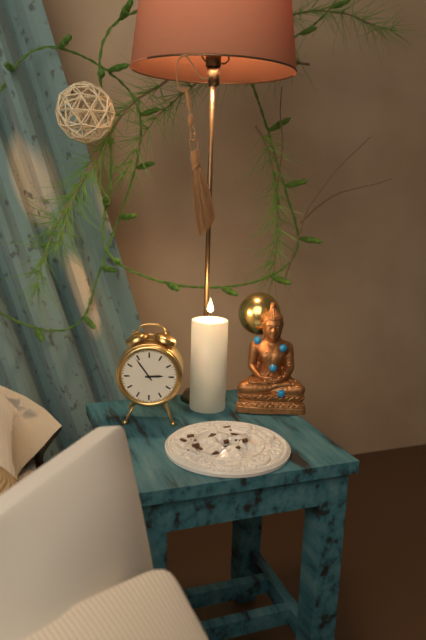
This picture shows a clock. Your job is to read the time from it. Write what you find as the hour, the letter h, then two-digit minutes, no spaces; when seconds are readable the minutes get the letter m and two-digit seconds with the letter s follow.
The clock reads 2h54
